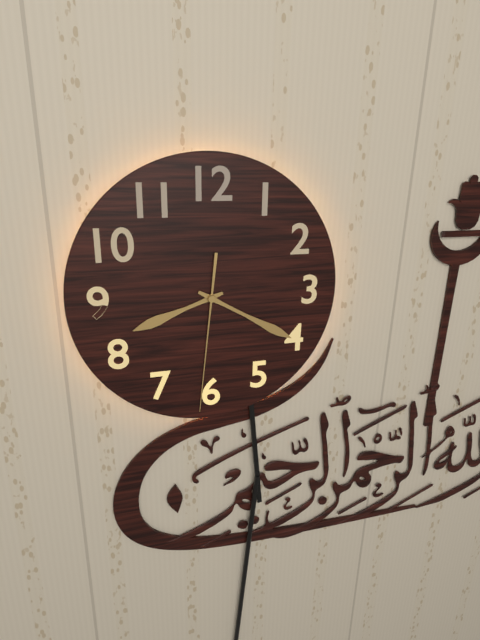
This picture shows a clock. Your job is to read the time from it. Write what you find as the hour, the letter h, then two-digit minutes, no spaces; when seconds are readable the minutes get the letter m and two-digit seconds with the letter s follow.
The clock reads 8h20m31s
